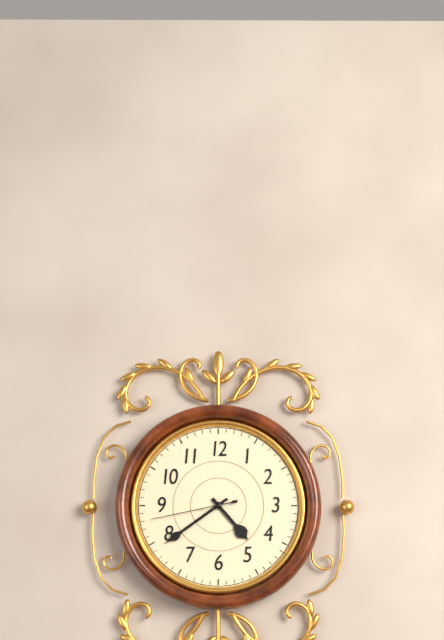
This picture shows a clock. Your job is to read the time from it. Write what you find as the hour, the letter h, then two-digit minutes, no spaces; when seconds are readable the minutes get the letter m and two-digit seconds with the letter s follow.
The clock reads 4h39m43s
